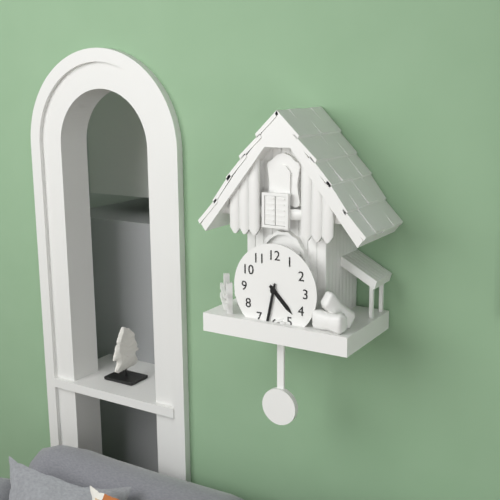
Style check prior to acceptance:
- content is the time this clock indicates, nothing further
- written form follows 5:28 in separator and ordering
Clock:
4:32
